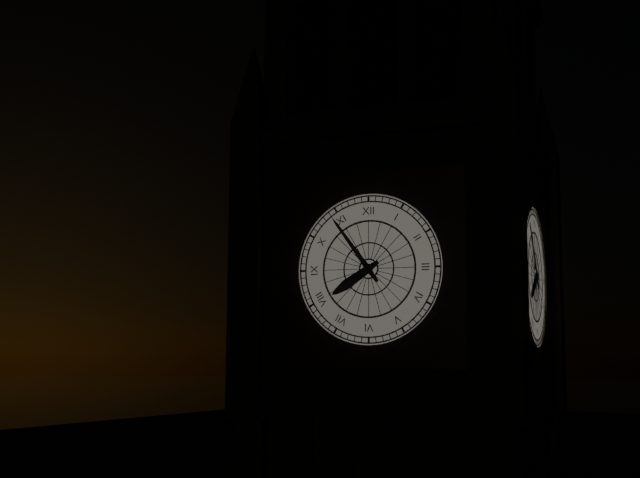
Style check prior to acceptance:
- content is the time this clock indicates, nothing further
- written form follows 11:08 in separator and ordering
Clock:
7:54
